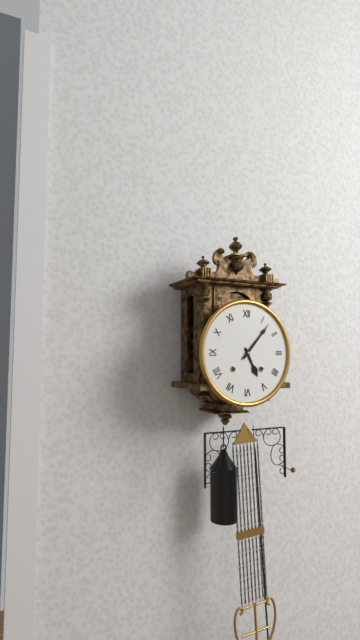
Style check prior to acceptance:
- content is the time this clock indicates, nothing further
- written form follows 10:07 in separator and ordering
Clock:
5:07
